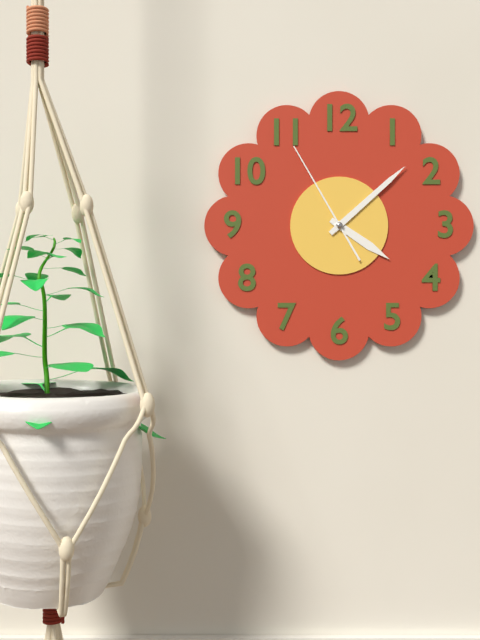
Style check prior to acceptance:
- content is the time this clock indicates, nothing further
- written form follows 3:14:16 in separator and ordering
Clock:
4:08:55
